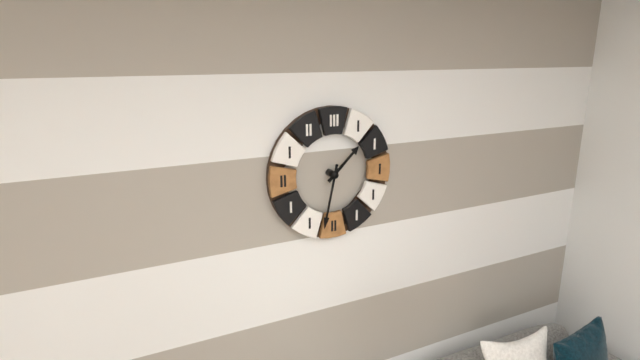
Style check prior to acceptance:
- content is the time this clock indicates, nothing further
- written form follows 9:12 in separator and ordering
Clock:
1:32
